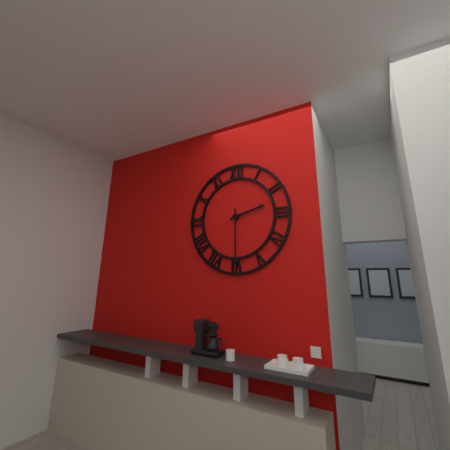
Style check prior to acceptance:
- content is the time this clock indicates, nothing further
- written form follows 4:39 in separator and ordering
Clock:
2:30
